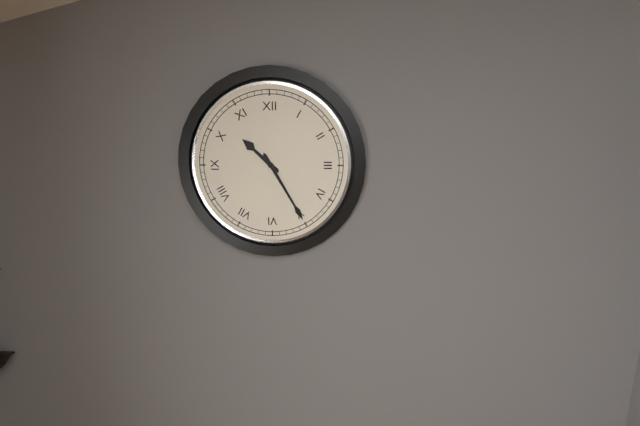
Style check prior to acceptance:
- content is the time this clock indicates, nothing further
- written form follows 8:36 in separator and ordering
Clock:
10:25
